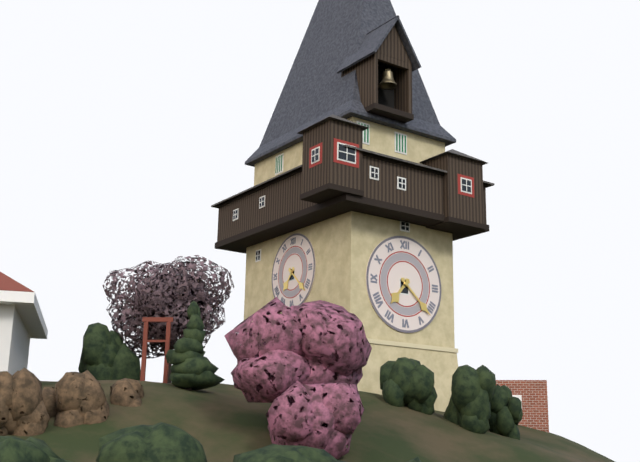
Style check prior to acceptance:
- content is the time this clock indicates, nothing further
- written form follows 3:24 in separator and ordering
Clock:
7:22
